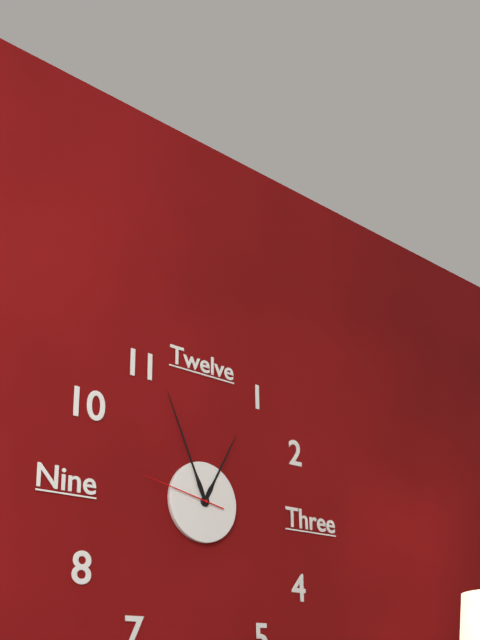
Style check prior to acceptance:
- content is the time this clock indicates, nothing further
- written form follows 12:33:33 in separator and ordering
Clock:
12:56:47
